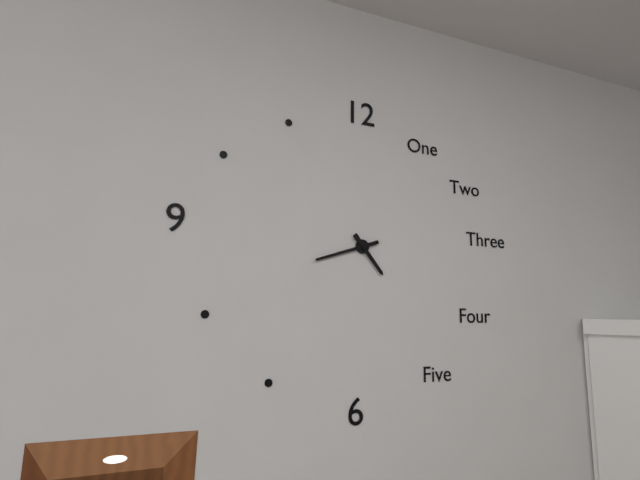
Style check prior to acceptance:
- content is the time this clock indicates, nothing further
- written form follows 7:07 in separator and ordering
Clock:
4:42
